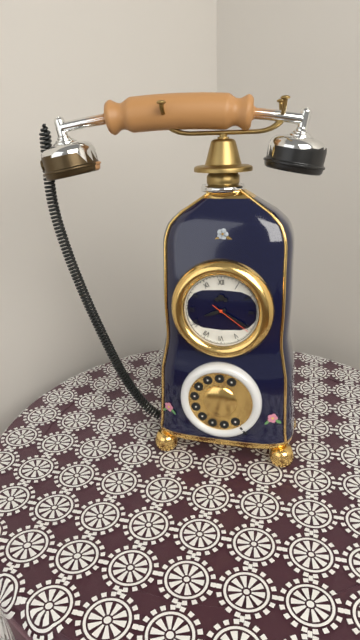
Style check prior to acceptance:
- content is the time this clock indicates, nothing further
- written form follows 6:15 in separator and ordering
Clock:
8:20
